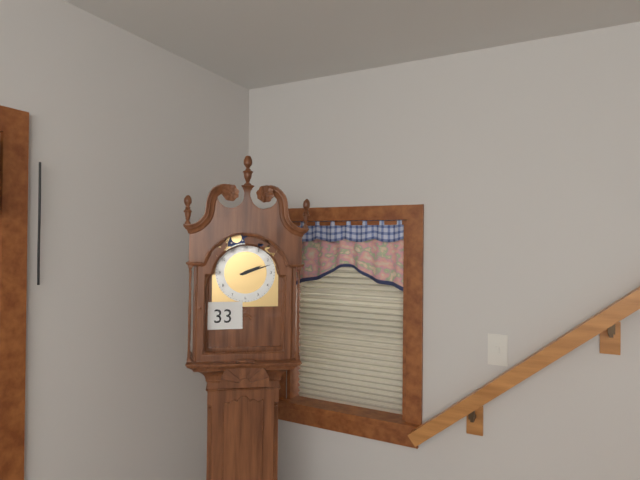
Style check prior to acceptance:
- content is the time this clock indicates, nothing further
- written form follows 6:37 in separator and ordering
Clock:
2:12
